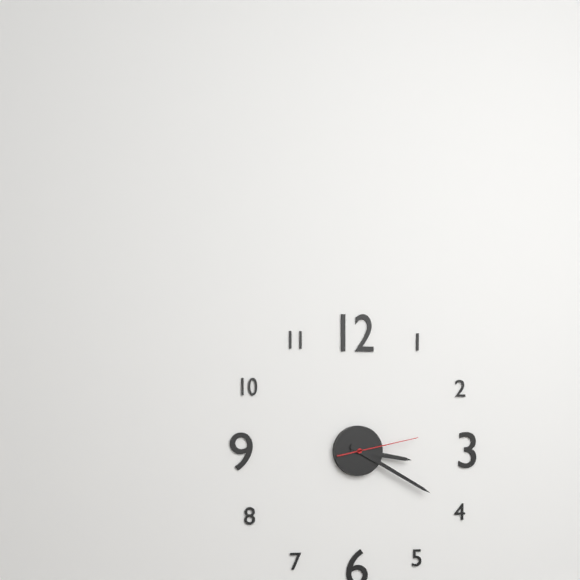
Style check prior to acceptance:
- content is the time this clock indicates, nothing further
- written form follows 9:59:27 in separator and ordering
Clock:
3:20:13
